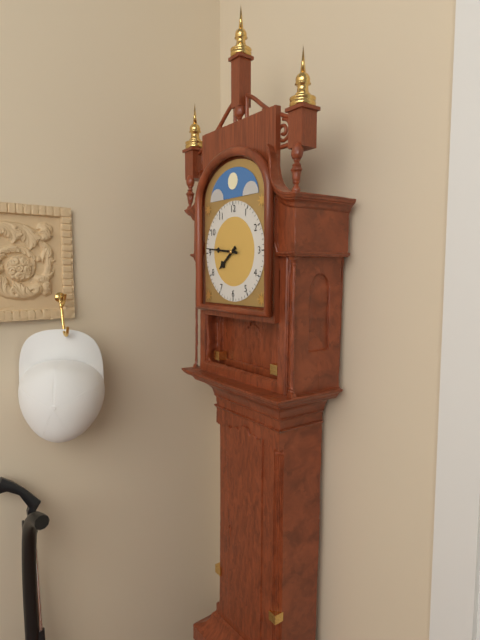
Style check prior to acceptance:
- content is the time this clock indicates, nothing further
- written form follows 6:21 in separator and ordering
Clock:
7:46
